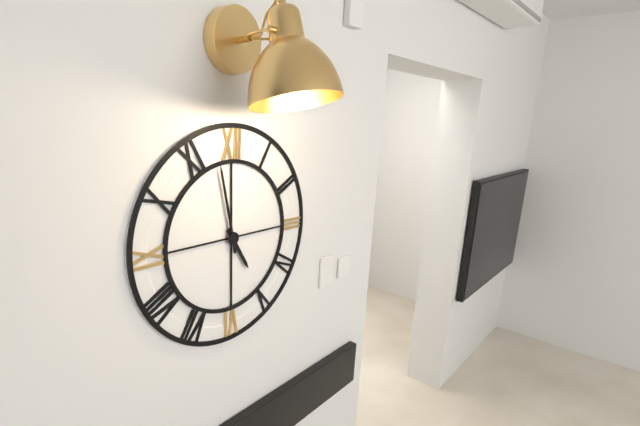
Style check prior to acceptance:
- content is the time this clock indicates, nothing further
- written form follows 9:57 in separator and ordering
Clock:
4:58
